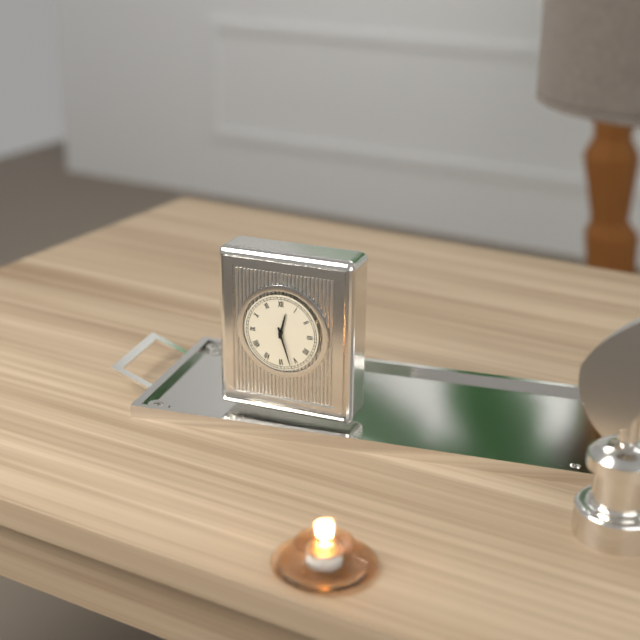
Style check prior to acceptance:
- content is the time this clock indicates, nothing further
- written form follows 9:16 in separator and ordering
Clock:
12:27
